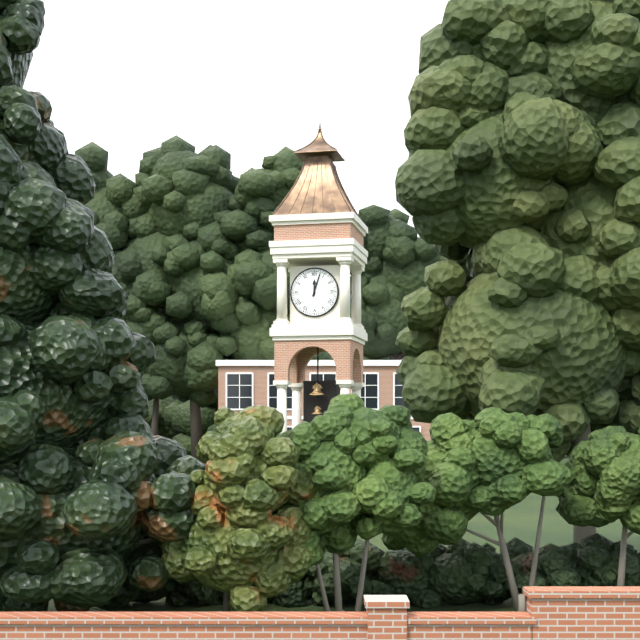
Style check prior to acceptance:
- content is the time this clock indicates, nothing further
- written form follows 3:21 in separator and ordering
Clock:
12:03
